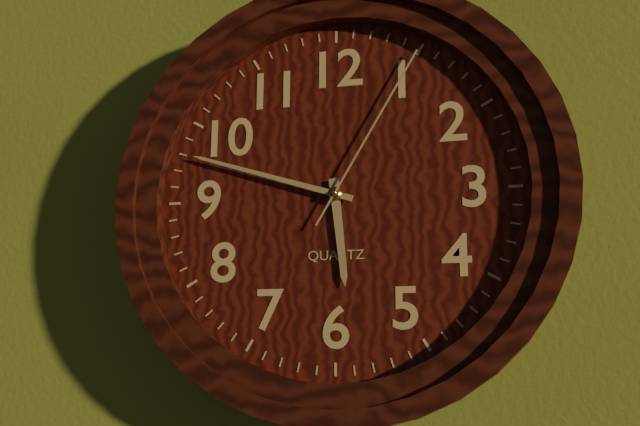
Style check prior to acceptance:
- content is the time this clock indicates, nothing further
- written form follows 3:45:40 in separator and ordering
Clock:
5:48:05
